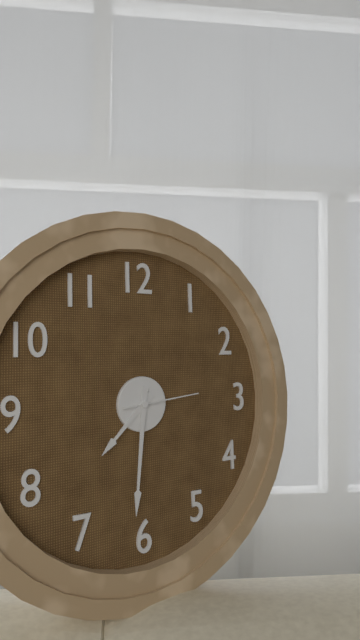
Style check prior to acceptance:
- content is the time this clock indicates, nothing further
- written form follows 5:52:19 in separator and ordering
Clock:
7:31:14
